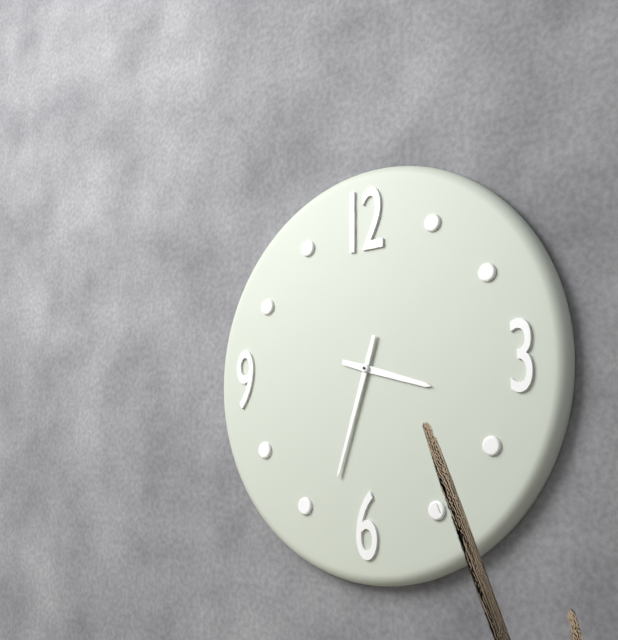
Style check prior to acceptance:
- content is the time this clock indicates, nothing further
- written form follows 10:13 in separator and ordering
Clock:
3:33
